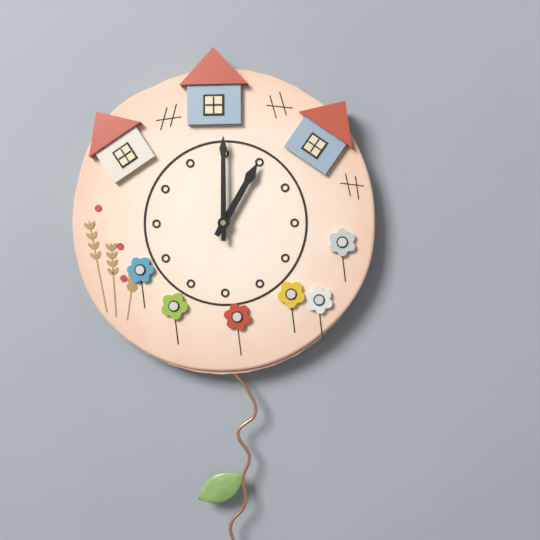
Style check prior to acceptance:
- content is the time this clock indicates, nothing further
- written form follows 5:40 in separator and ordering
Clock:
1:00
